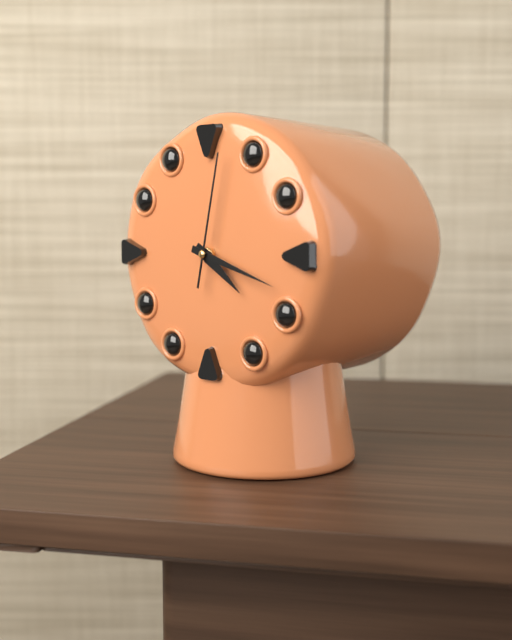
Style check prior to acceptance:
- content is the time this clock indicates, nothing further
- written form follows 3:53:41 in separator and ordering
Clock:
4:18:02
